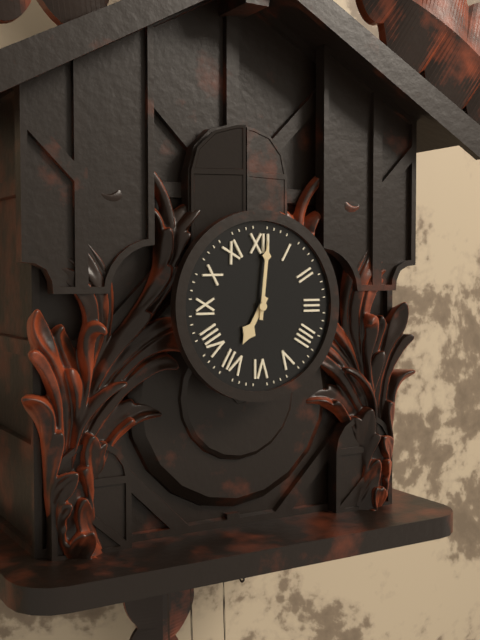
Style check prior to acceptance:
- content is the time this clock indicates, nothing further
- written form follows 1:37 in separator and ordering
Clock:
7:01
